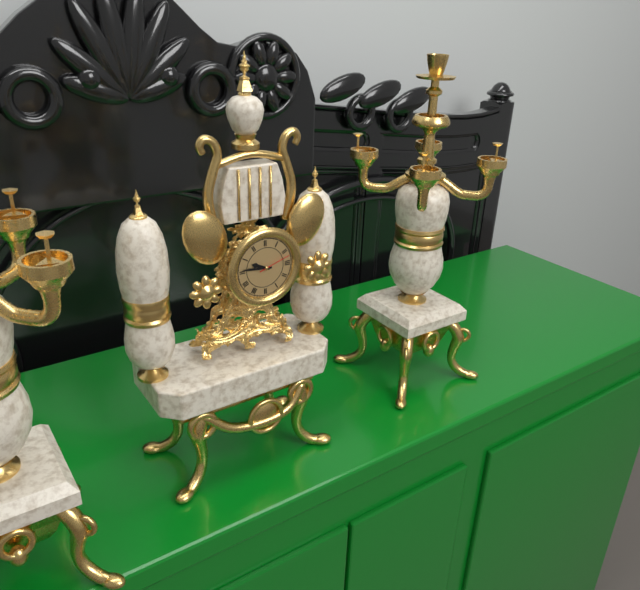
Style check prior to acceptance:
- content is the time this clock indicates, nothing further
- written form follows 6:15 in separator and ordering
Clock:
9:46
